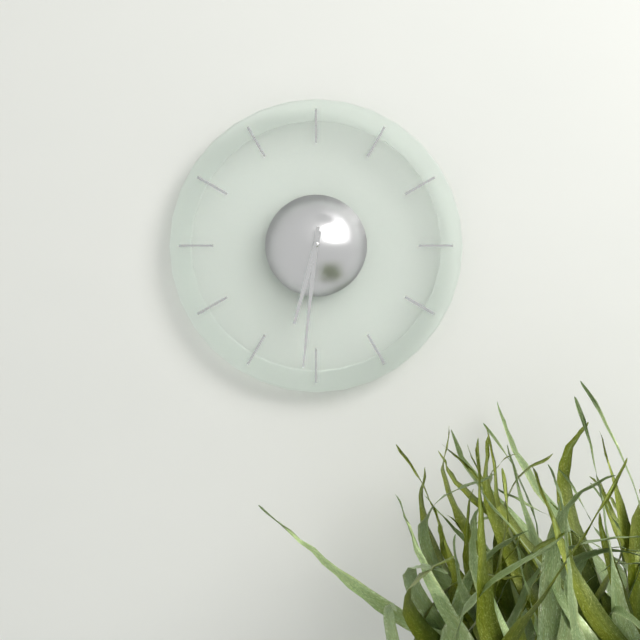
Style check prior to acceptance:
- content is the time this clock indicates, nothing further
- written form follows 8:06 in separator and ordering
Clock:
6:31
